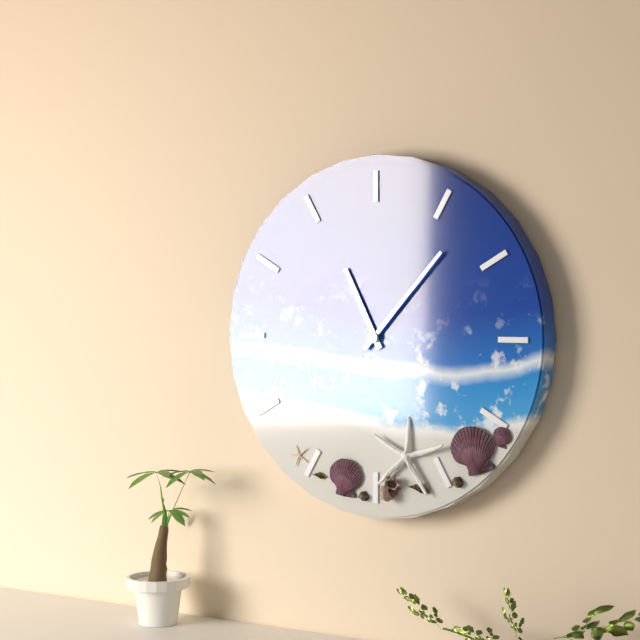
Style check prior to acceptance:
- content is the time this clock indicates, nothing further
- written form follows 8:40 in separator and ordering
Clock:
11:07
